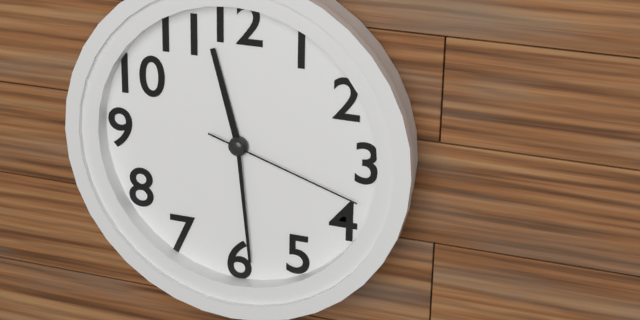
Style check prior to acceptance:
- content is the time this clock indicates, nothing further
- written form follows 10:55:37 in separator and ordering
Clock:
11:29:18
